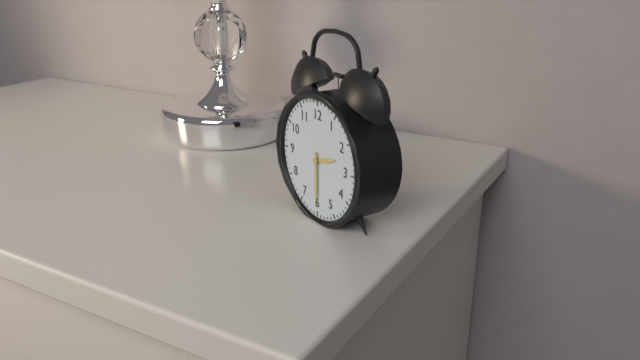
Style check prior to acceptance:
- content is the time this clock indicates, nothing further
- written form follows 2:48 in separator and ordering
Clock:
2:30
